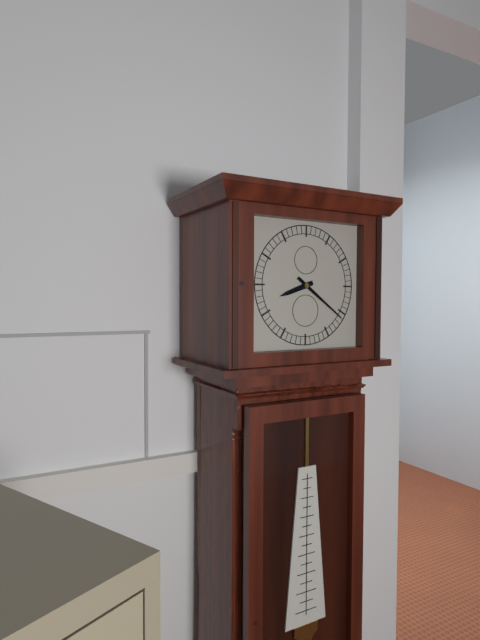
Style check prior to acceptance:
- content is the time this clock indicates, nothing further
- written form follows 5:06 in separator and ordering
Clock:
8:21
